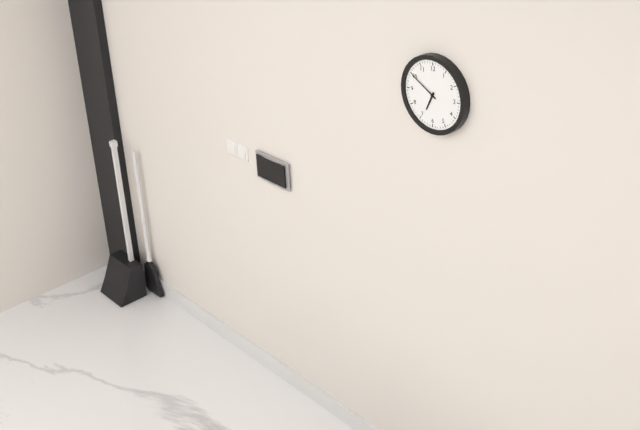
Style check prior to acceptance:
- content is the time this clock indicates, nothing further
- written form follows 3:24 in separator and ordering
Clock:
6:50
